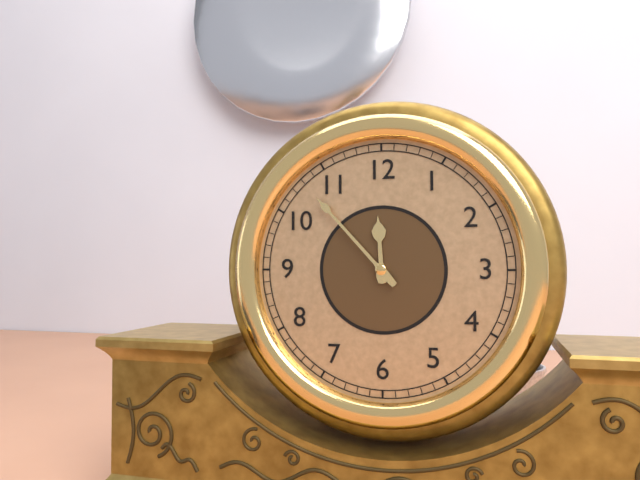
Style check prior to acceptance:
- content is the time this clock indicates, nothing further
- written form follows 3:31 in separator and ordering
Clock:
11:53
